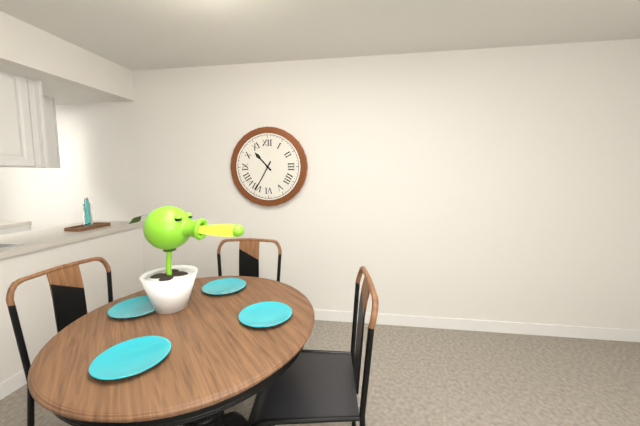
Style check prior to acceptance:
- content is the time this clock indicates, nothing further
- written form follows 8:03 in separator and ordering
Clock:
10:35
